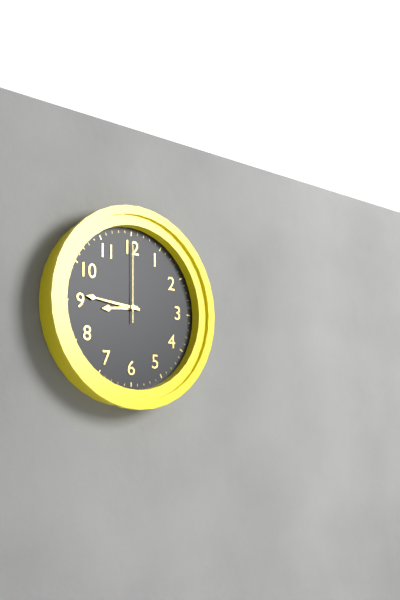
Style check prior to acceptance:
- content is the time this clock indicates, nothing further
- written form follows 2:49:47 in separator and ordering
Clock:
8:46:00
